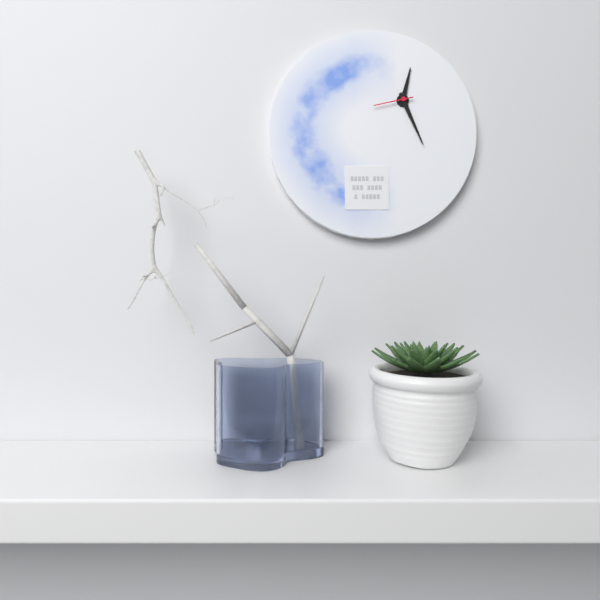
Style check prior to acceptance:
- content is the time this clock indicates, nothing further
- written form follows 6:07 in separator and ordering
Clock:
12:26
